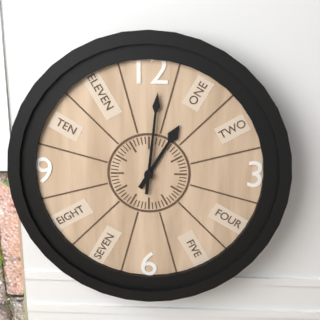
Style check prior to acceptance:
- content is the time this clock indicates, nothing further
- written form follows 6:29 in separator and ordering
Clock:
1:01
